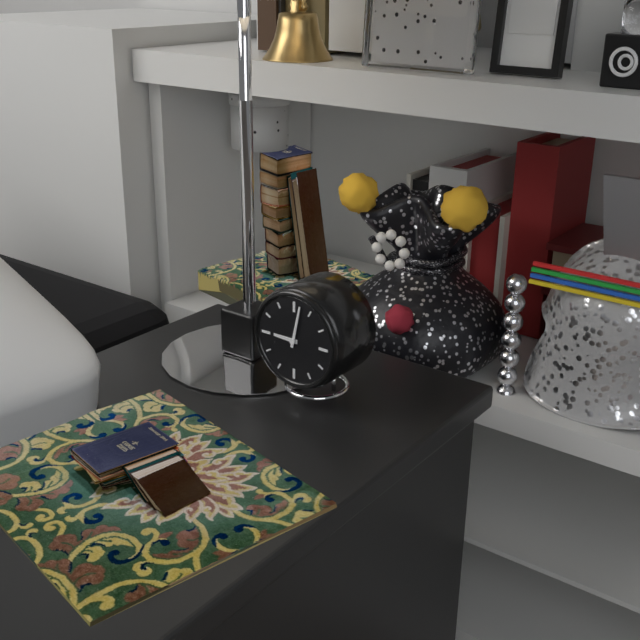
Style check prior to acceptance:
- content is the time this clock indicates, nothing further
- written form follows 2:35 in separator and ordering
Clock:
9:02
